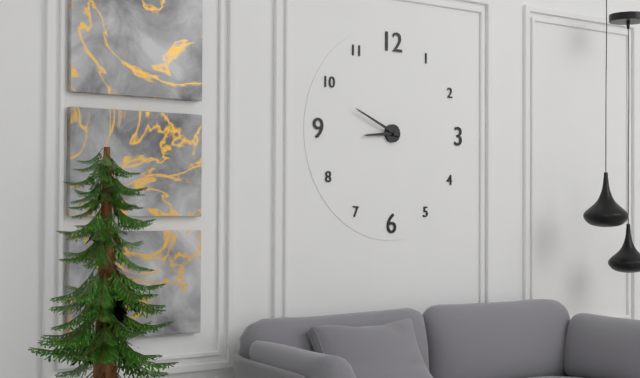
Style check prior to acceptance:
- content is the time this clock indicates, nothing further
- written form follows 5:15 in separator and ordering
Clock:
8:49
